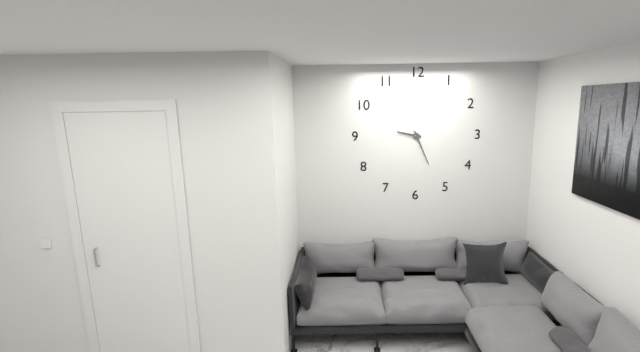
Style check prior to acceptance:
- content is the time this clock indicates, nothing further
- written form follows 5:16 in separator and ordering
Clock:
9:26
